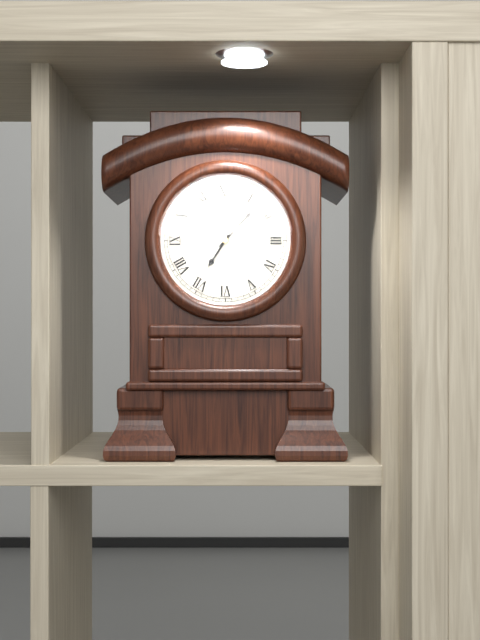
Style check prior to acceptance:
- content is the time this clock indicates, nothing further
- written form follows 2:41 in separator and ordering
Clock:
7:07
